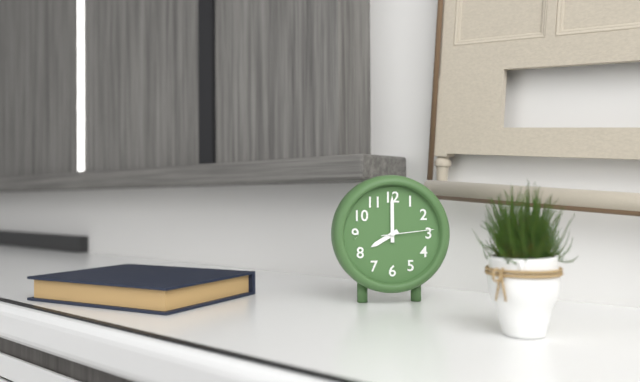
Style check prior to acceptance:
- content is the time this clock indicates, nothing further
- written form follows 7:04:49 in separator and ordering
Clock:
8:00:14
